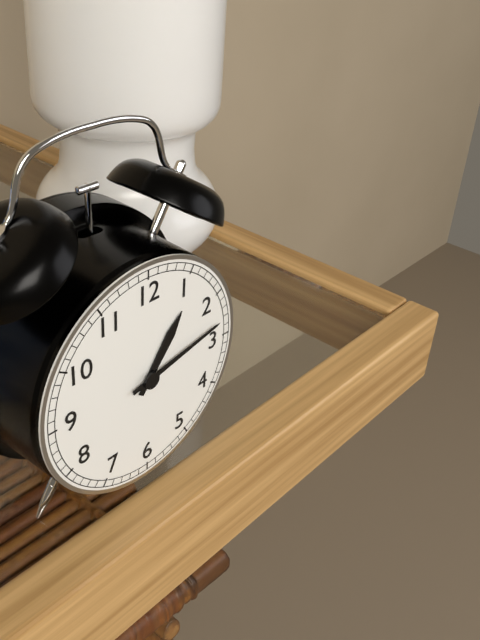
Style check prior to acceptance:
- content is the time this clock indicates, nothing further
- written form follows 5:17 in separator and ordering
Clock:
1:13
